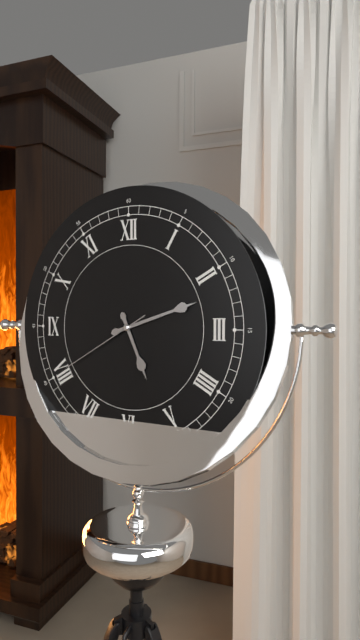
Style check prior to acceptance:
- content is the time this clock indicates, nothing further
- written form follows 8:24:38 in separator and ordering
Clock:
5:12:40
